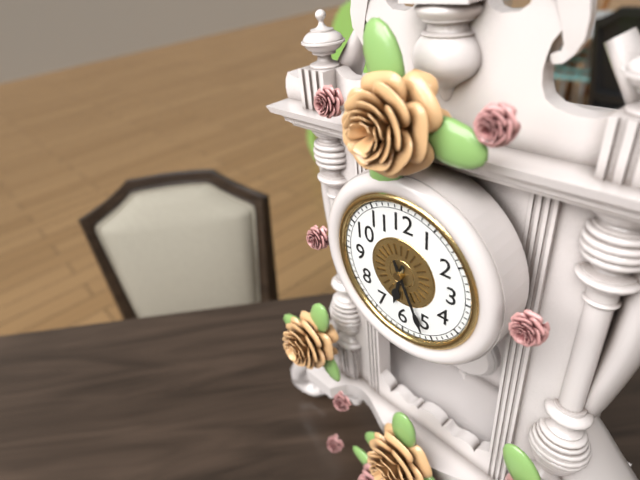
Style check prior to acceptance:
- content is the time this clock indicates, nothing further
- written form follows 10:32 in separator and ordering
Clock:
6:26
